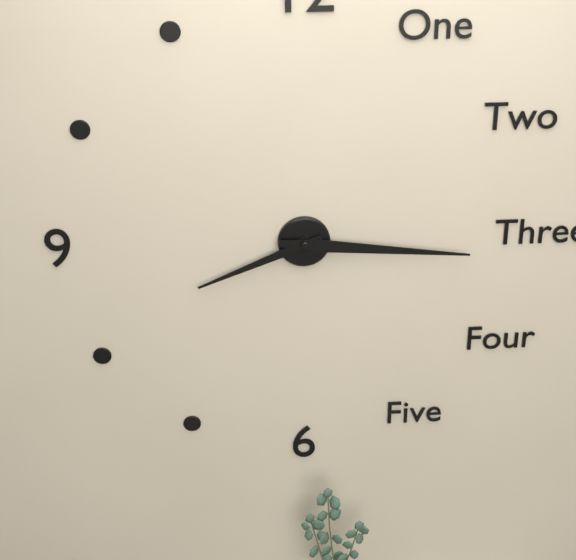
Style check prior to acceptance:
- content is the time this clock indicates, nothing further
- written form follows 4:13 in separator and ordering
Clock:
8:16
